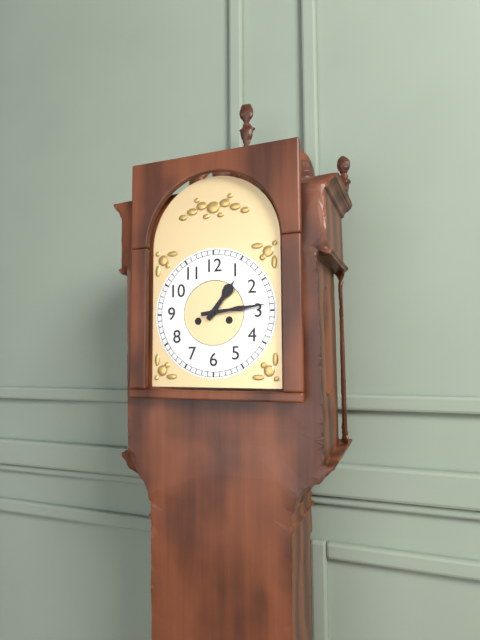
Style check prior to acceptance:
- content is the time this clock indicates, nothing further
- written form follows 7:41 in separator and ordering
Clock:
1:14
